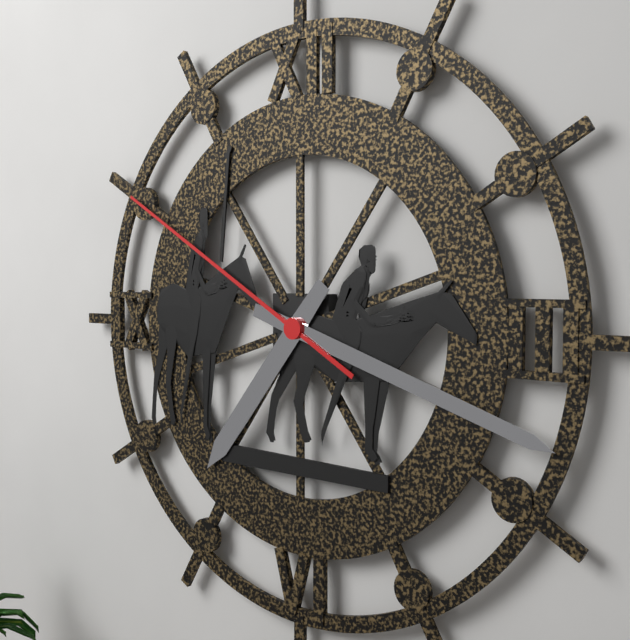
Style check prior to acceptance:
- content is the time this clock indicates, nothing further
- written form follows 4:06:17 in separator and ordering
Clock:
7:18:50
